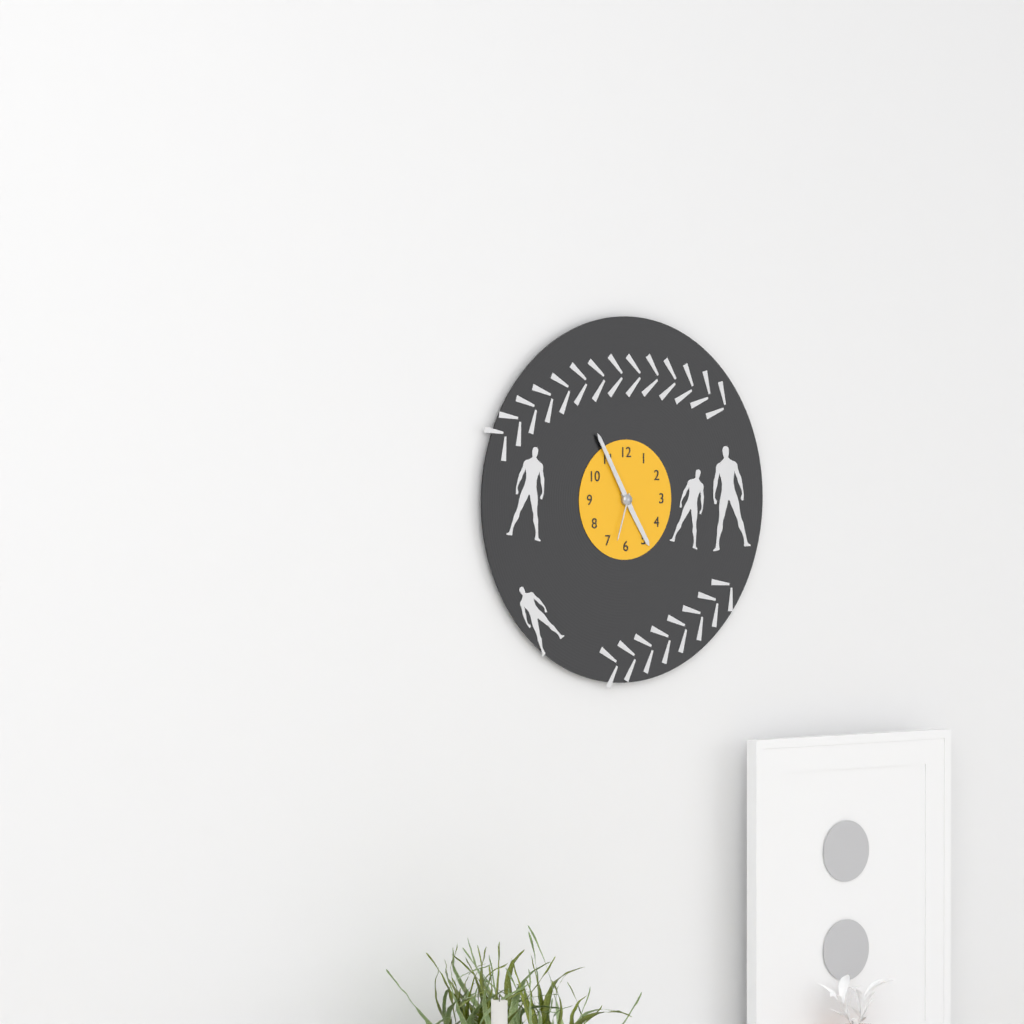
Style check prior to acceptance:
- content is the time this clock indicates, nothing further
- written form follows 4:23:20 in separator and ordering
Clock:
4:55:33
